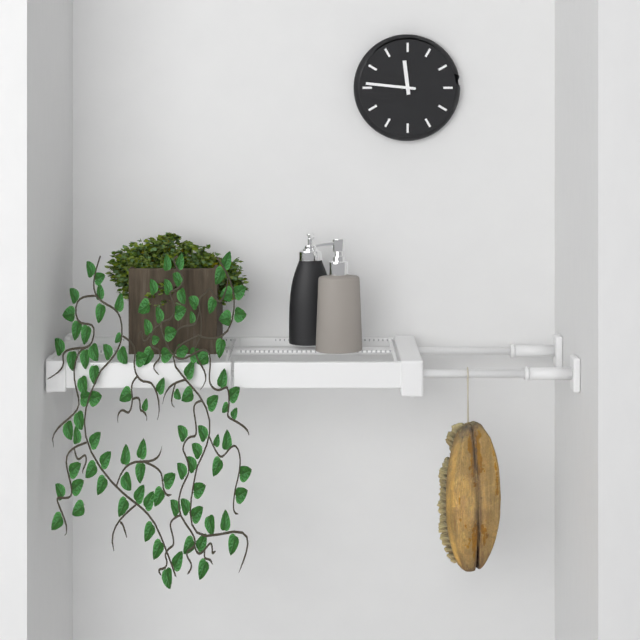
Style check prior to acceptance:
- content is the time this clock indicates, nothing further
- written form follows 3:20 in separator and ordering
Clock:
11:46
